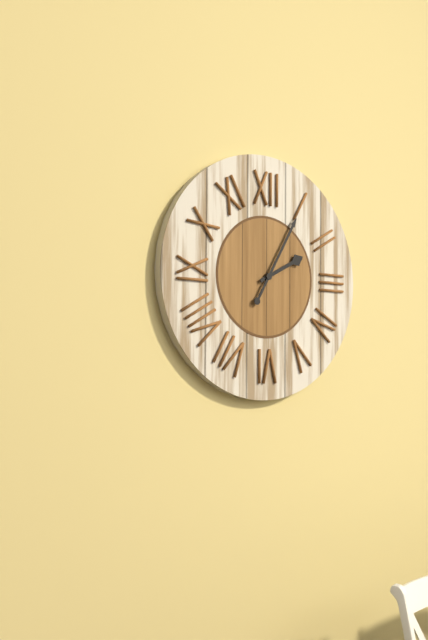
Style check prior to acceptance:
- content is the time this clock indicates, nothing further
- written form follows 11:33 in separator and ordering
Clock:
2:05
